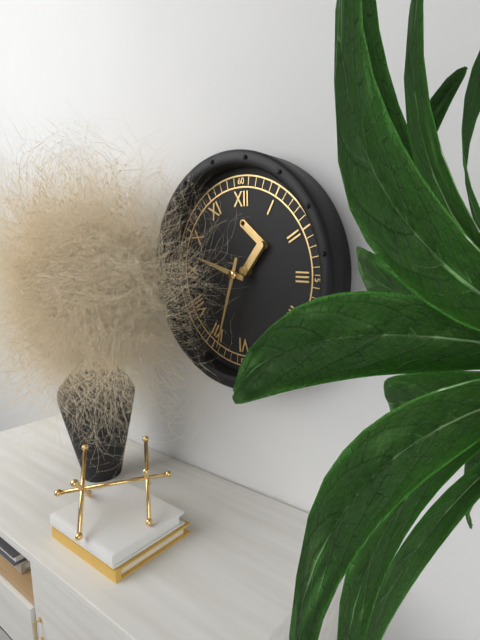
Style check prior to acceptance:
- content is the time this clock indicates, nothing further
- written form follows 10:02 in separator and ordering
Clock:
9:33
